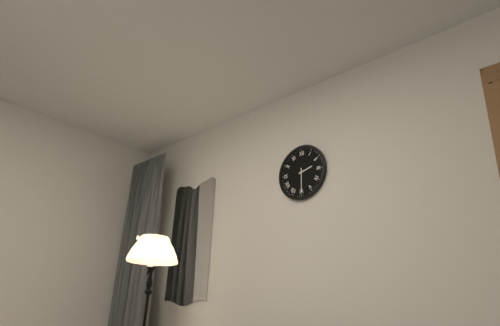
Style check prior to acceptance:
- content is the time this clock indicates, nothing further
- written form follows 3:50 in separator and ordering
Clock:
2:30
